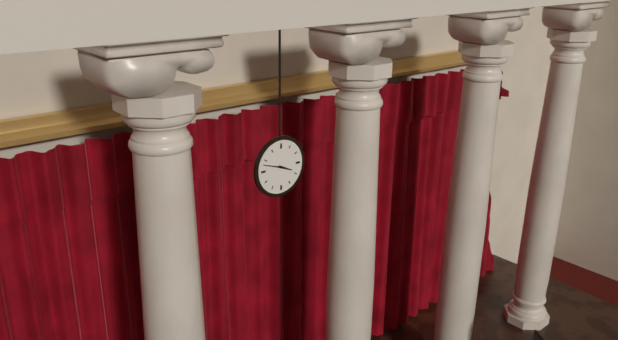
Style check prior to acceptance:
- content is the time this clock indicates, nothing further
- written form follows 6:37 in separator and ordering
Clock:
3:48
